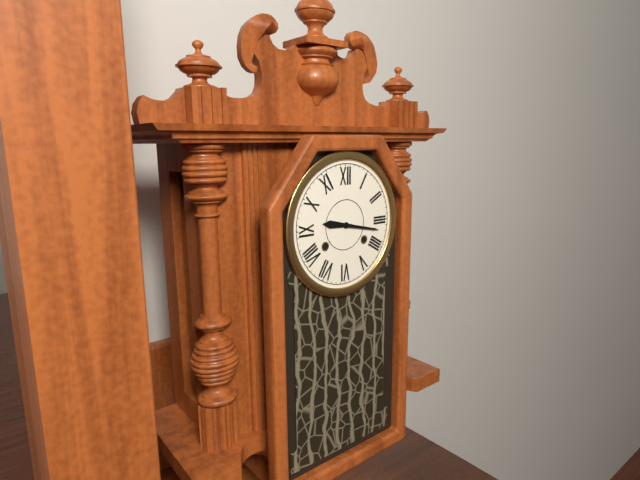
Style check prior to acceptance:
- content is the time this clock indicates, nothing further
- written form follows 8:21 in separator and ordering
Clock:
9:17
